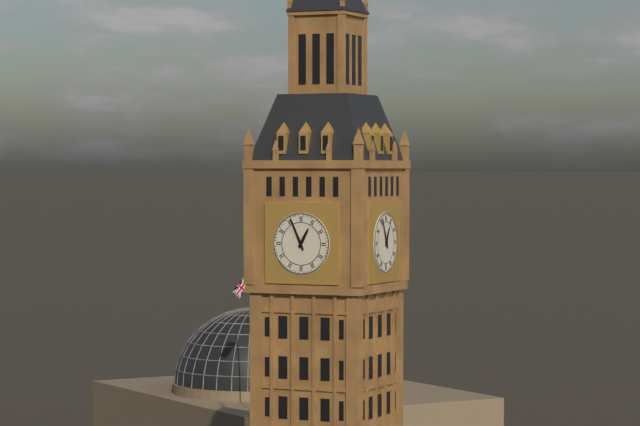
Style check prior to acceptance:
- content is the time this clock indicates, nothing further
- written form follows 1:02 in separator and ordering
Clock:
12:56
